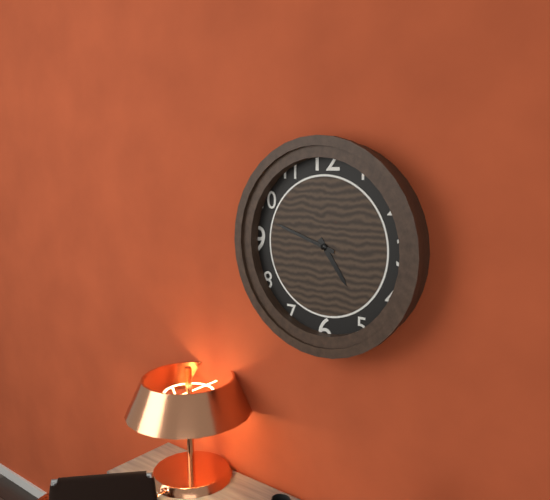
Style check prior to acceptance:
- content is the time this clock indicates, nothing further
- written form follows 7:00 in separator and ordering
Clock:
4:48
